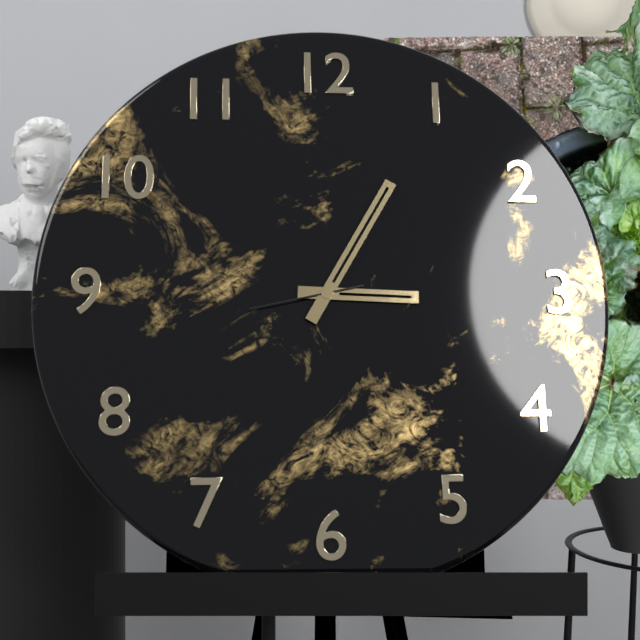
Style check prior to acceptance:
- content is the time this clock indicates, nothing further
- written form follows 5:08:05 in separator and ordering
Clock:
3:05:43
